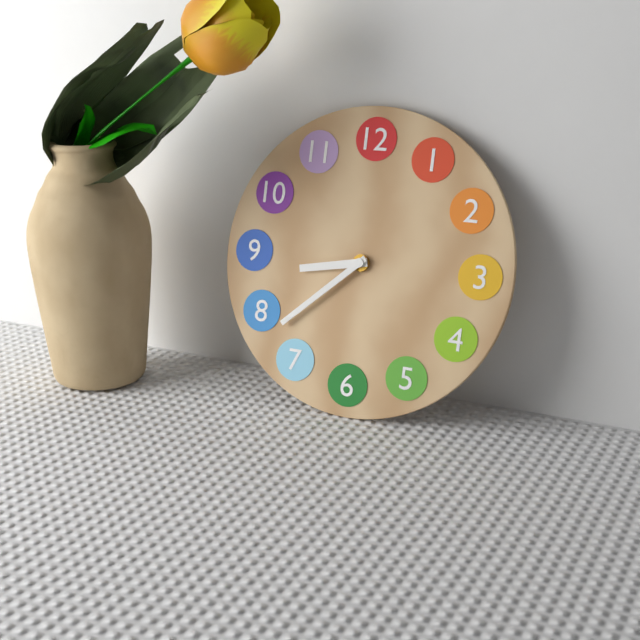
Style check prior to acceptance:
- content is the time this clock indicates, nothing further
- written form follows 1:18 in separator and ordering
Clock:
8:38
